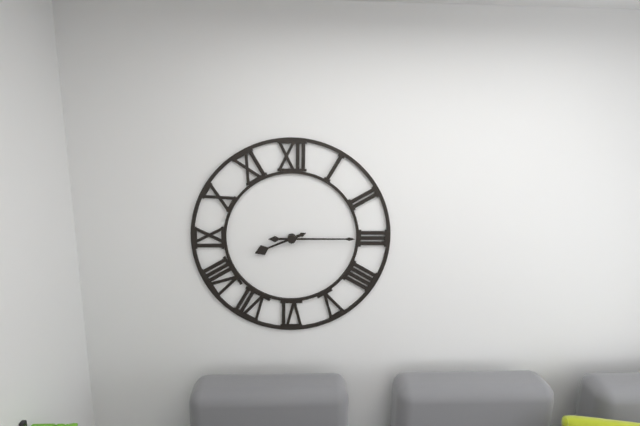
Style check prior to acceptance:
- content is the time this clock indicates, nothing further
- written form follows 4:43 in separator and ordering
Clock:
8:15
